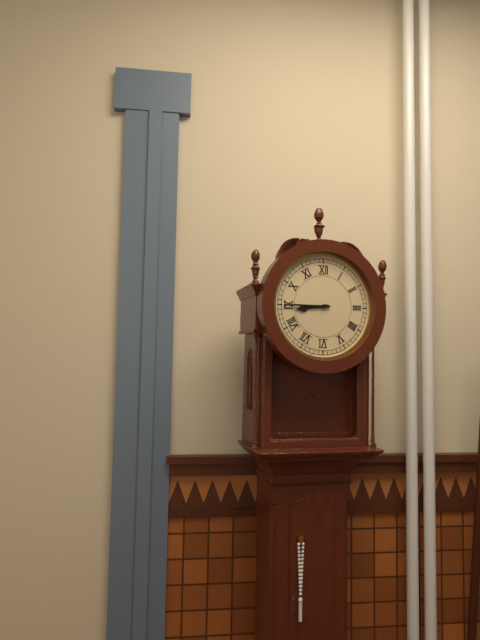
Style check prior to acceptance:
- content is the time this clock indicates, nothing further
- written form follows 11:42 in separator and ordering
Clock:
8:45
